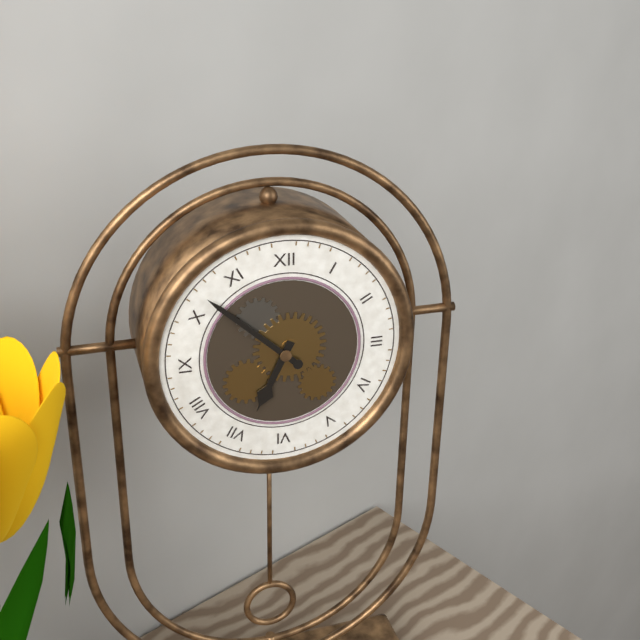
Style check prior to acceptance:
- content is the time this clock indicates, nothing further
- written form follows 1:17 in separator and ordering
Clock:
6:52
